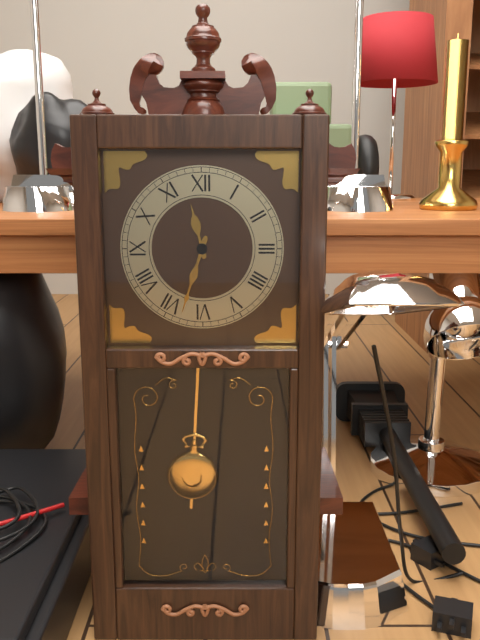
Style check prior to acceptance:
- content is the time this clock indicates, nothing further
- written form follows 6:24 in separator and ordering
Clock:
11:33
